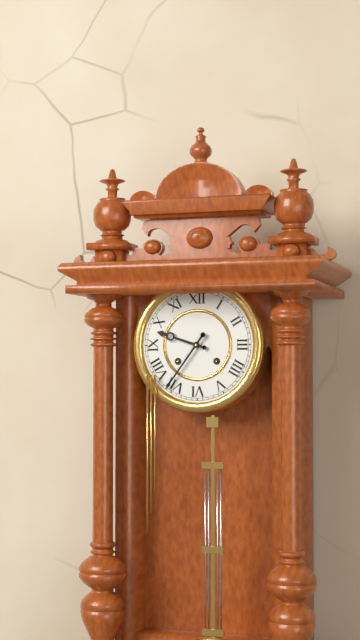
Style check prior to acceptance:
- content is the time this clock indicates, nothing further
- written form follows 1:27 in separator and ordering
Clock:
9:36
